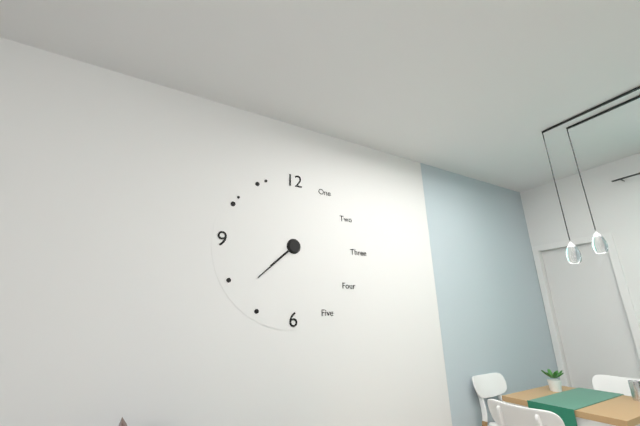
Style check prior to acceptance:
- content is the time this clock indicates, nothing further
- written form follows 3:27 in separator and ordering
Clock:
7:38
